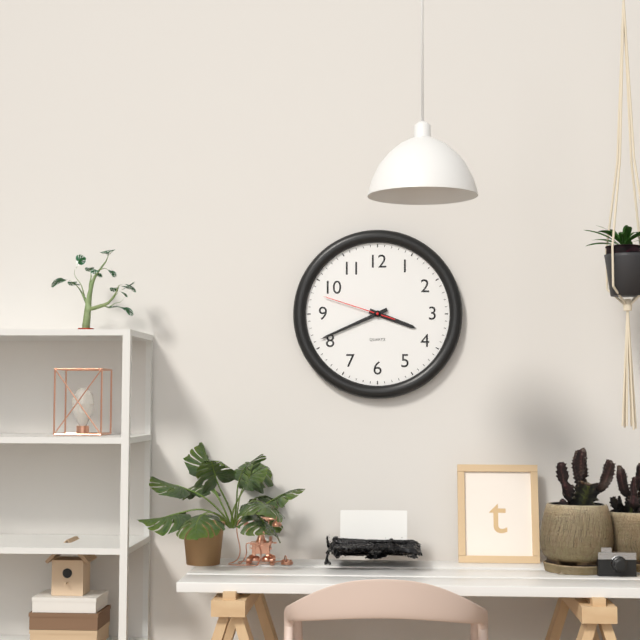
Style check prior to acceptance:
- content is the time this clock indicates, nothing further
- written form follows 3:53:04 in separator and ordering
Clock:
3:41:48
